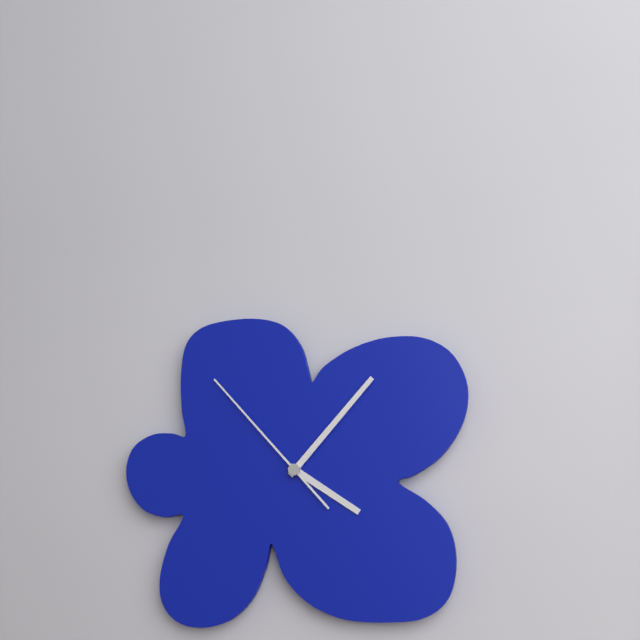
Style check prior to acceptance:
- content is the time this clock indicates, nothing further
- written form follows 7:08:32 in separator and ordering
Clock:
4:07:53
